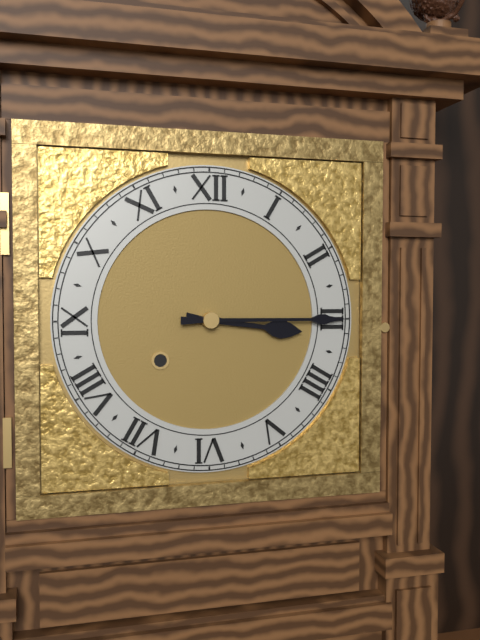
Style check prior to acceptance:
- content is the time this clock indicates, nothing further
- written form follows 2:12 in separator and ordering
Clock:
3:15
